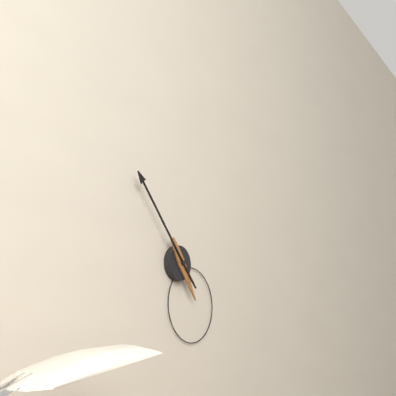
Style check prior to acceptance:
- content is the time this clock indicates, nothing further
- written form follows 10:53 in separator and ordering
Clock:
4:53
